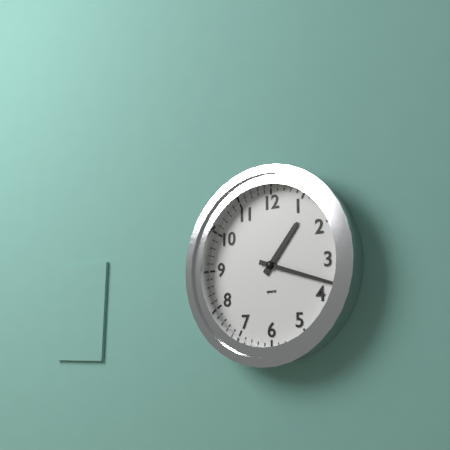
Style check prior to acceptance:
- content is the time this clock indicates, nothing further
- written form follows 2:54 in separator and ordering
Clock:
1:18
